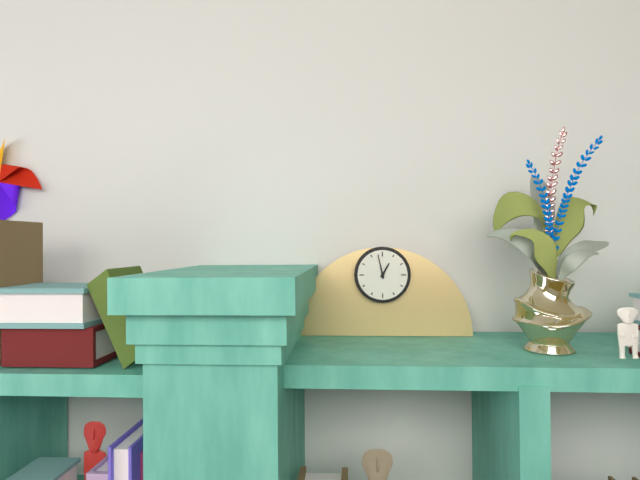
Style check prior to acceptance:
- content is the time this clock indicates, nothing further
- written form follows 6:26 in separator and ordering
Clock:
12:58
